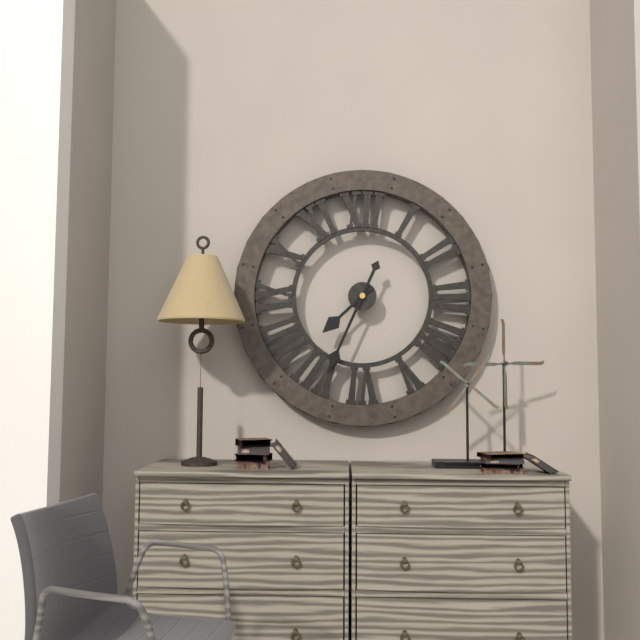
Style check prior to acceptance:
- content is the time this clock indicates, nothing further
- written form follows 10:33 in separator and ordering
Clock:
7:34
